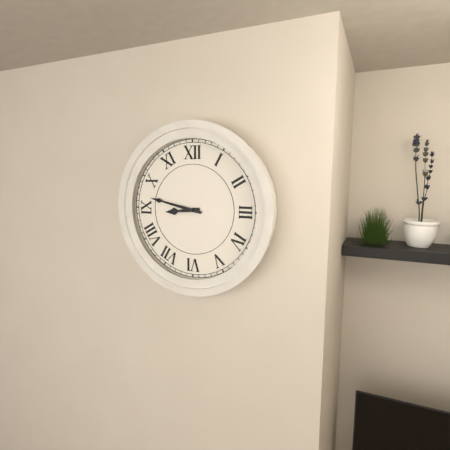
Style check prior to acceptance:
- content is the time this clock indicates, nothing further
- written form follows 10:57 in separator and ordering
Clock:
8:47
